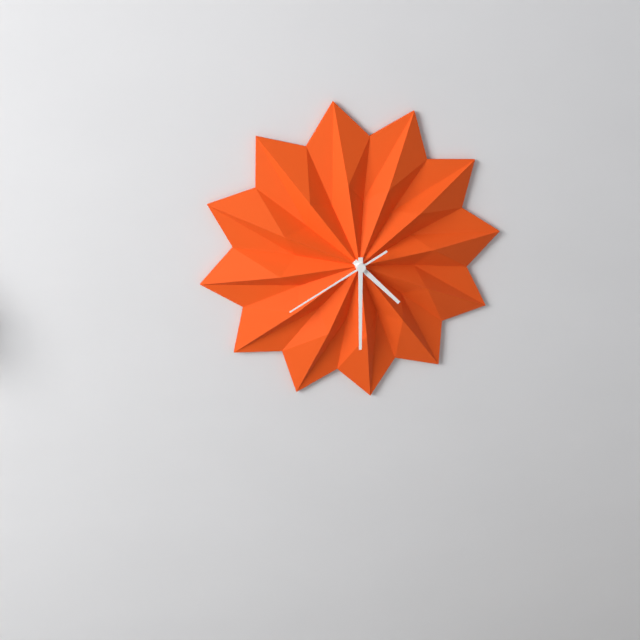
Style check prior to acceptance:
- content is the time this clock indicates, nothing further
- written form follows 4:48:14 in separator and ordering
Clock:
4:30:40
